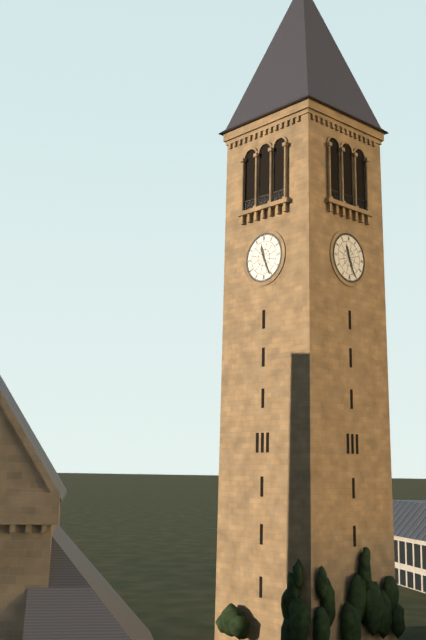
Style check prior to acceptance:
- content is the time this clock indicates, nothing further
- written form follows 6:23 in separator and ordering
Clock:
11:26
